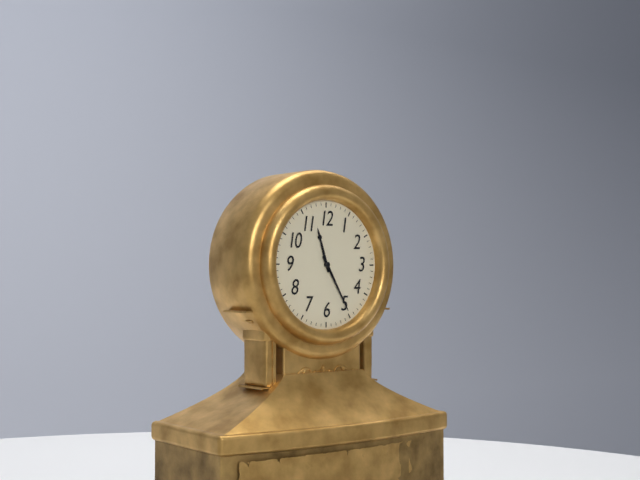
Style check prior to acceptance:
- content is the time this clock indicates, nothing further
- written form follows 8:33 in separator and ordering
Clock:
11:25
